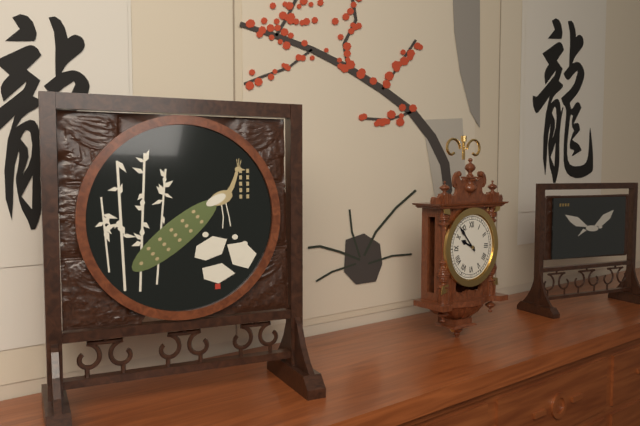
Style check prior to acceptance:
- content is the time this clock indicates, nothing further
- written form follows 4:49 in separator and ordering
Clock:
9:53
